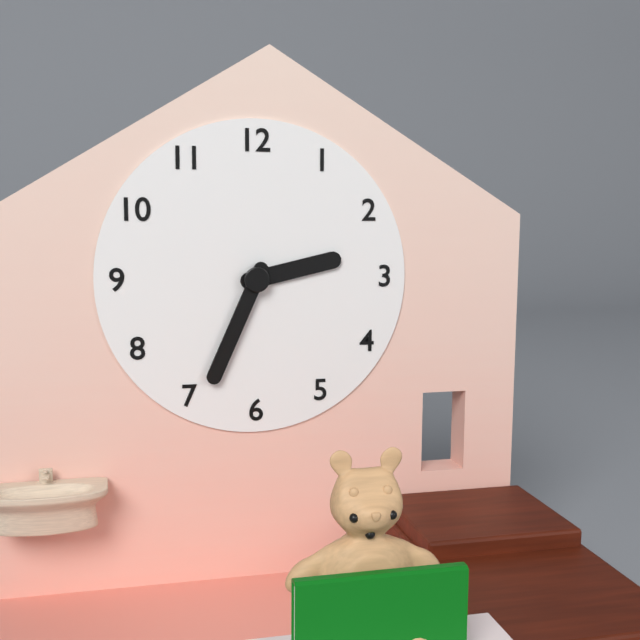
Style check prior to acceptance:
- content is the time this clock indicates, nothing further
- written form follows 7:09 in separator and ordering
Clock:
2:34
